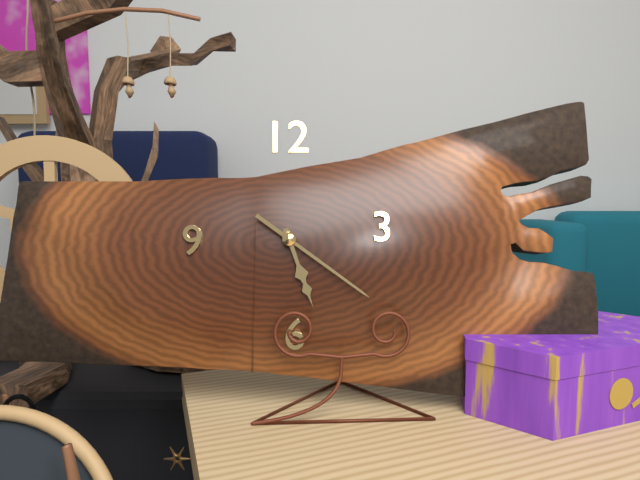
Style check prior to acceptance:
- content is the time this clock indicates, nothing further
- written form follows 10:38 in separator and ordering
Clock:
5:21
